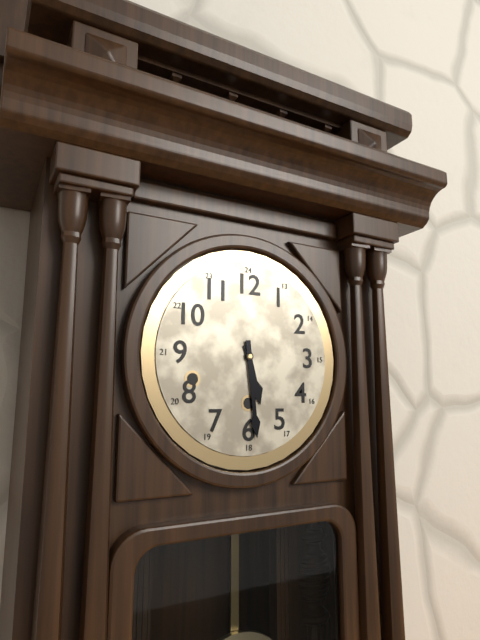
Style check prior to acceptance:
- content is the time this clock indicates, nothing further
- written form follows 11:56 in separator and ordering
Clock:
5:29
